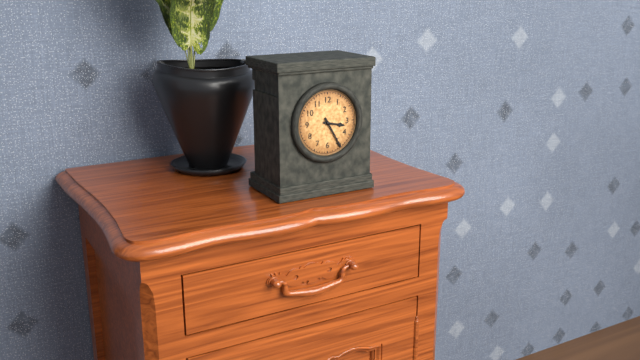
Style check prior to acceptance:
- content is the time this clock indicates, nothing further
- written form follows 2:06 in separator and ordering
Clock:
3:25
